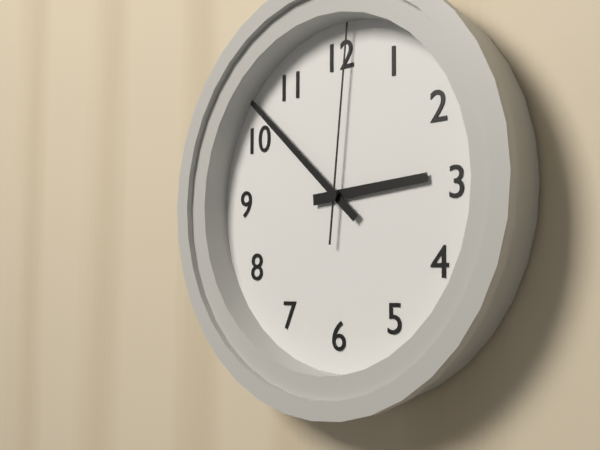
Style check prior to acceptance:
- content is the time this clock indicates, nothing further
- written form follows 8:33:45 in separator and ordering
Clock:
2:52:01
